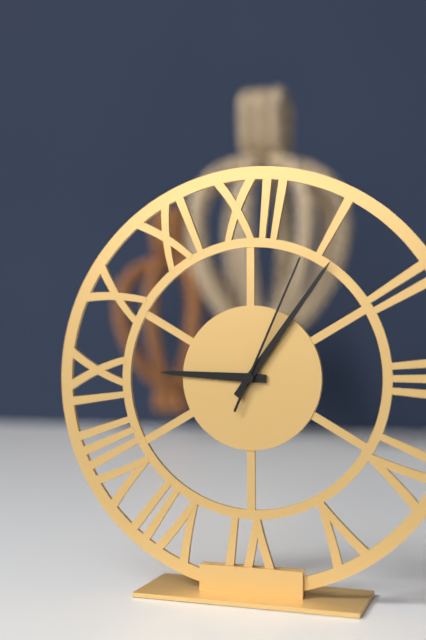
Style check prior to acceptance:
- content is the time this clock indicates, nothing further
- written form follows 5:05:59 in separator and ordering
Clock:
9:06:04
